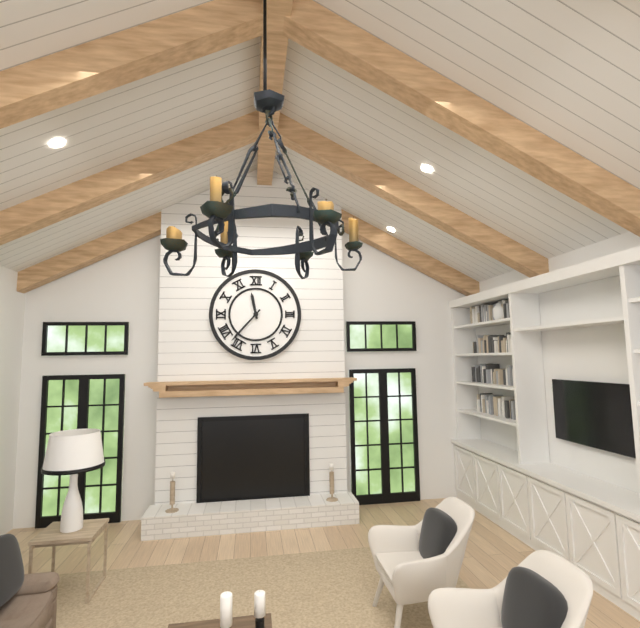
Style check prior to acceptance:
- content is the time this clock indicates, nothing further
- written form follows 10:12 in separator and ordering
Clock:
11:37
